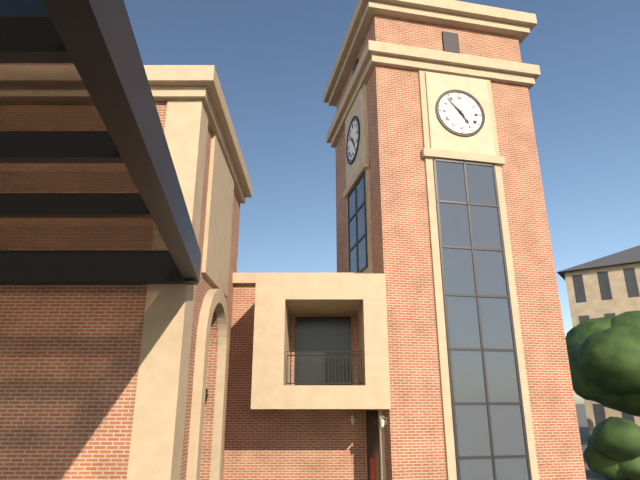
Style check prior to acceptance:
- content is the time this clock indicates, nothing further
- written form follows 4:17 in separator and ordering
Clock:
4:53
